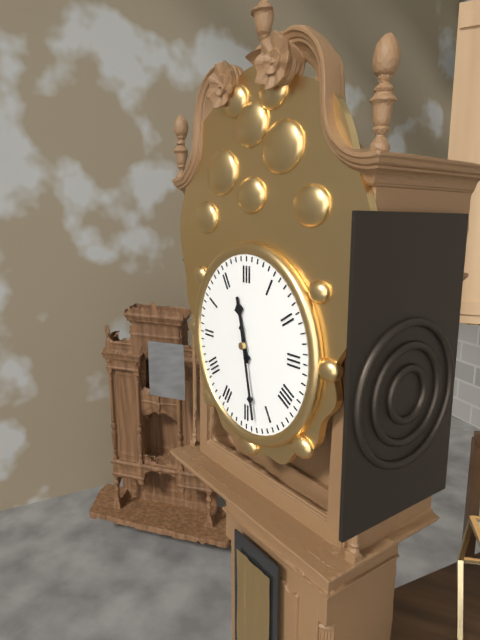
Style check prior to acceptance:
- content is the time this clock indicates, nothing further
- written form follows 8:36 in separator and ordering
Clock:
11:28
